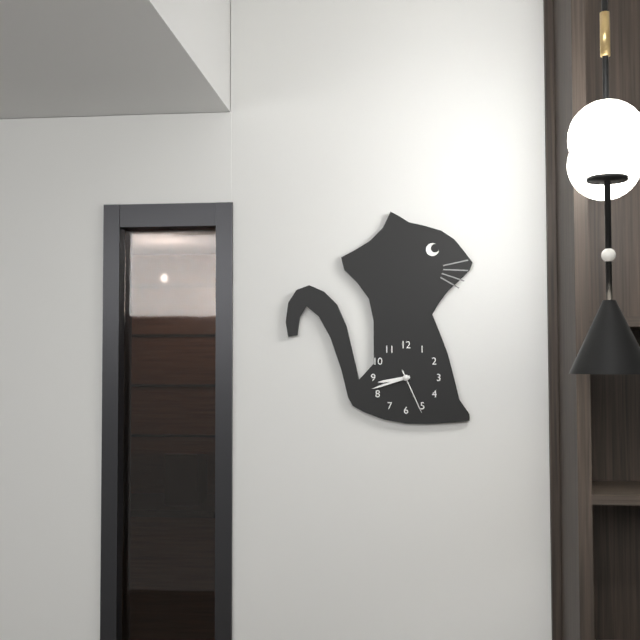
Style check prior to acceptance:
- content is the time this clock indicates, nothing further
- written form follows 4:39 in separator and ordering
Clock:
8:42
